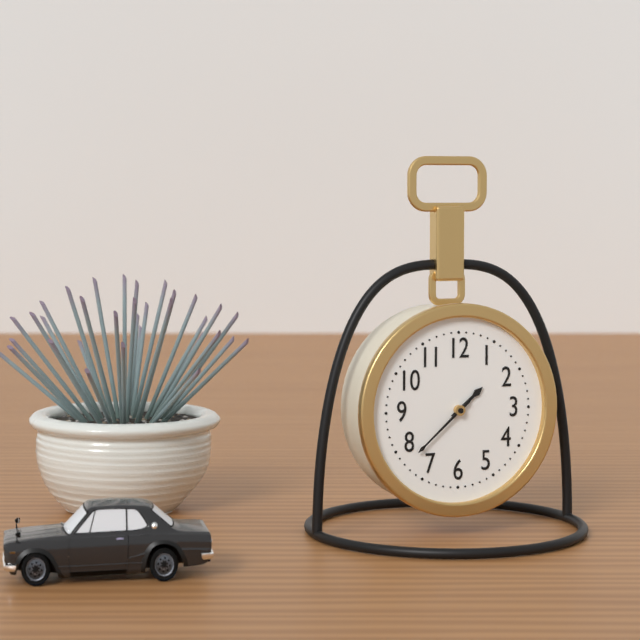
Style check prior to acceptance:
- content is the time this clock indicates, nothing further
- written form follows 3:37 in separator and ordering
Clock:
1:38
